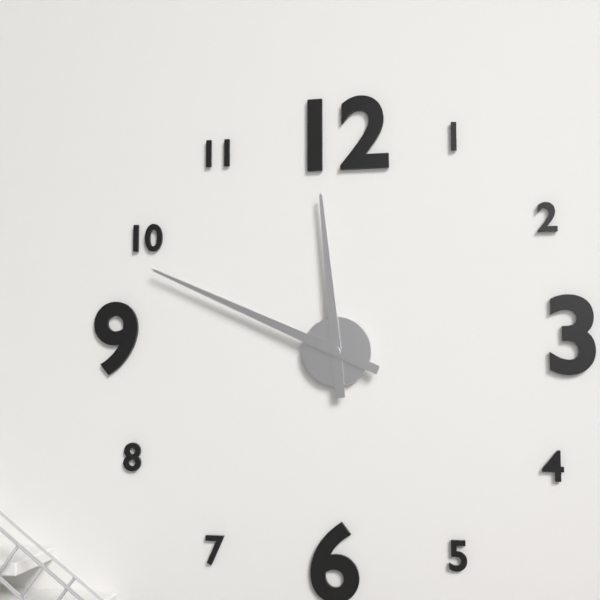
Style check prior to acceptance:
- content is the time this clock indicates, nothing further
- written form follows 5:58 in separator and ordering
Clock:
11:49
